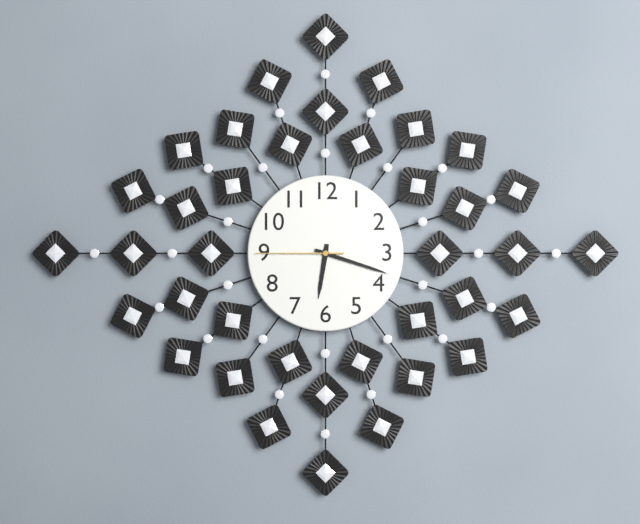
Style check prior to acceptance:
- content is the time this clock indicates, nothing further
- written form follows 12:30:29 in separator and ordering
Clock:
6:18:45
